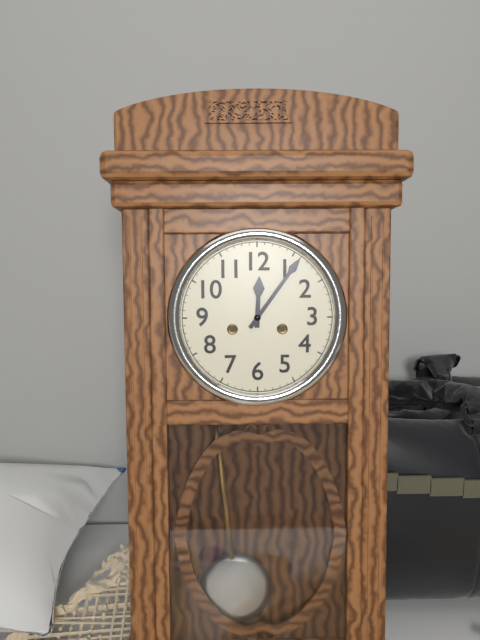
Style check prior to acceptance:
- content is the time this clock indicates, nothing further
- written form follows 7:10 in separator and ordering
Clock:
12:06
